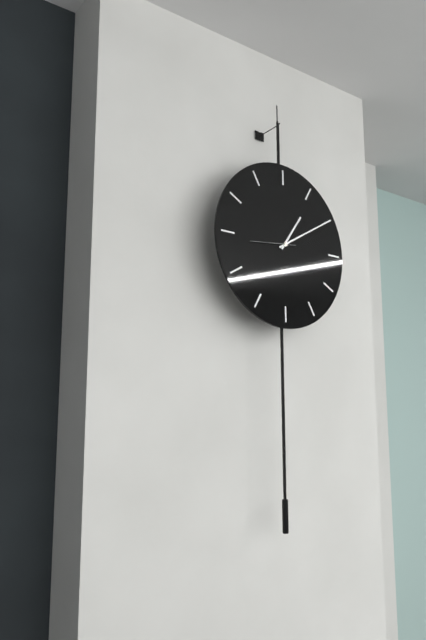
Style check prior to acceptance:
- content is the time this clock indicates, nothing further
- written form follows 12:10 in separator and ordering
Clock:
1:10
